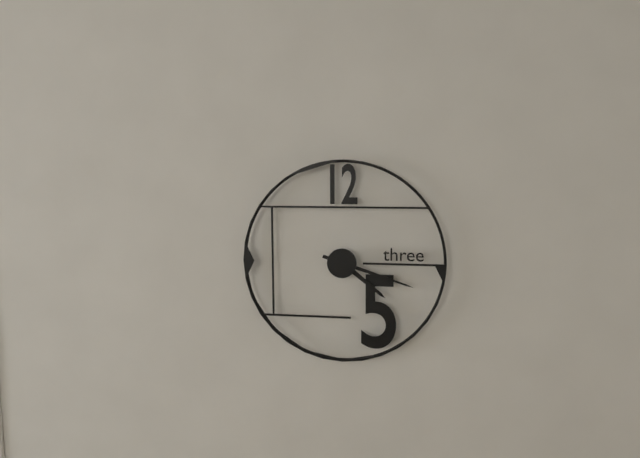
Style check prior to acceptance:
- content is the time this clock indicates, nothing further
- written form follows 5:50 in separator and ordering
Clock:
4:18
